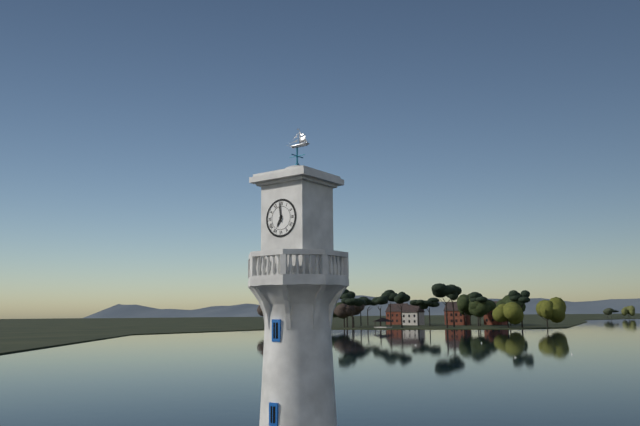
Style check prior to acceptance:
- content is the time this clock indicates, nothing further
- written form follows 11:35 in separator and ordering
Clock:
6:59
